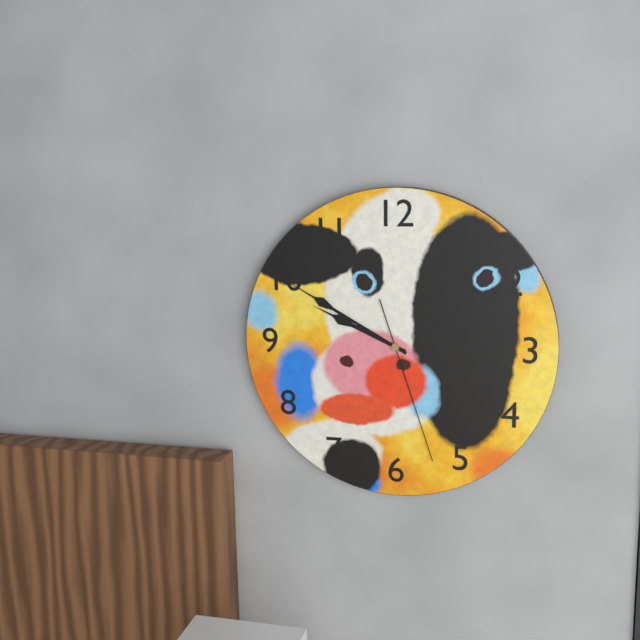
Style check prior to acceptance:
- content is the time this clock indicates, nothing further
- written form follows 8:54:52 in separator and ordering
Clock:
9:50:27
